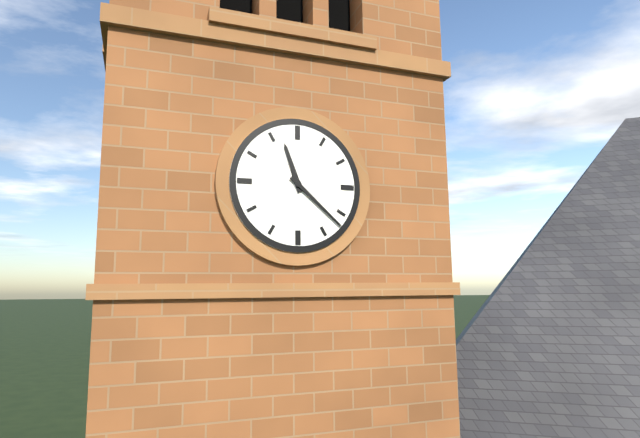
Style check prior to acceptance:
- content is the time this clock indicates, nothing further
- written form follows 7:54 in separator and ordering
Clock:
11:22
